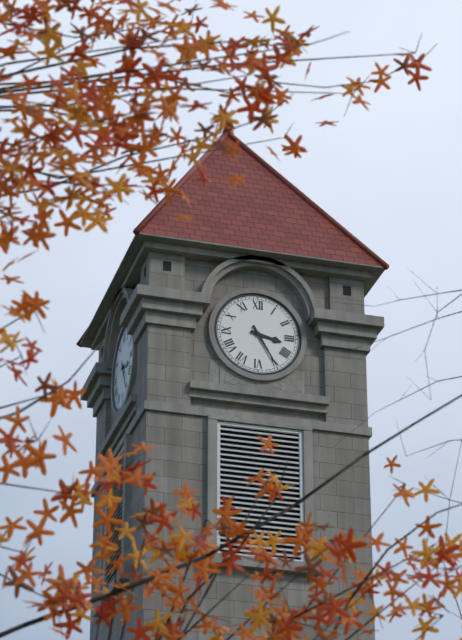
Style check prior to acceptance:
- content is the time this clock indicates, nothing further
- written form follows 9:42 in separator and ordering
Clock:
3:25
